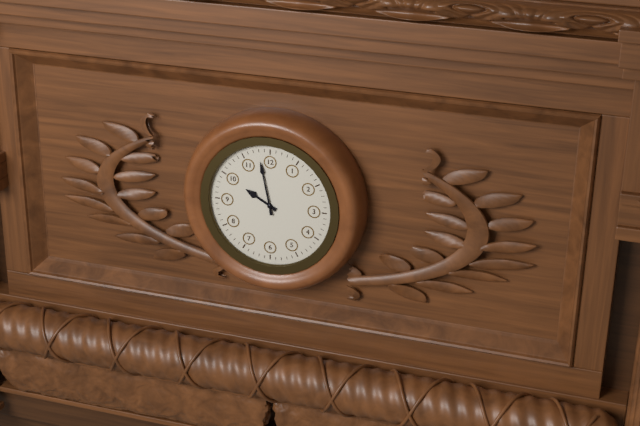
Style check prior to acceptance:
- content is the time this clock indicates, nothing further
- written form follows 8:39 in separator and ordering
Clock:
9:58
